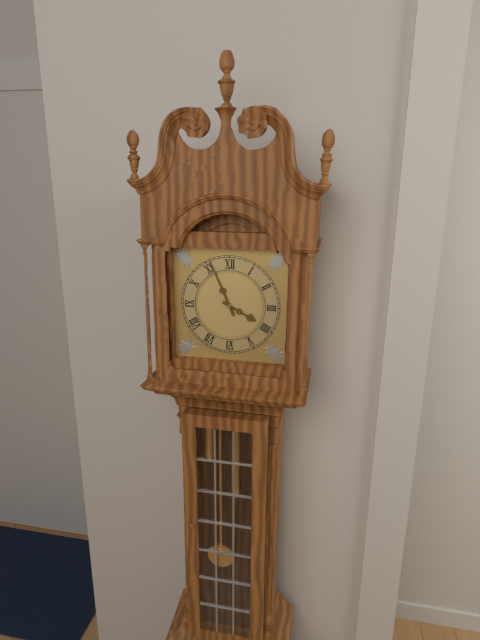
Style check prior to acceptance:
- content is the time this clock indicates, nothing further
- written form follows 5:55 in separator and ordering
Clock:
3:56
